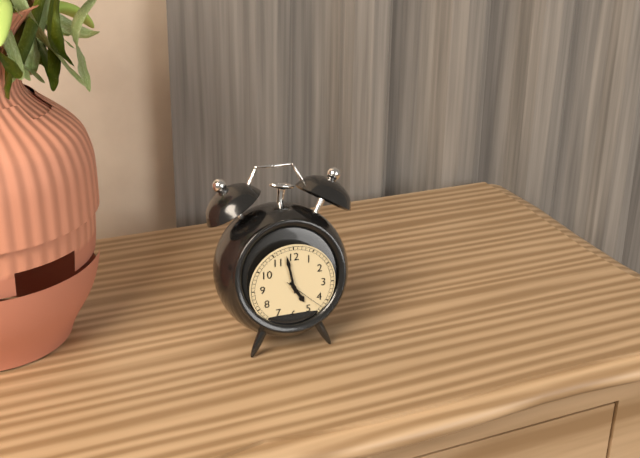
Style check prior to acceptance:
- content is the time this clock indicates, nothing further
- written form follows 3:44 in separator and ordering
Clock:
4:58
